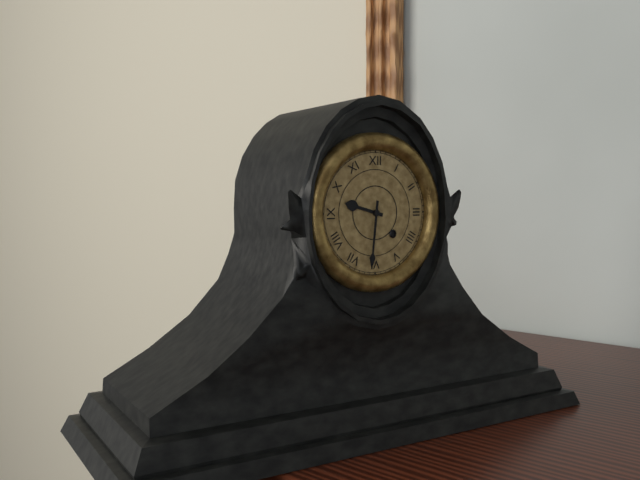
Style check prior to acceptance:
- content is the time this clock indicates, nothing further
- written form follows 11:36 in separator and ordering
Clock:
9:31
